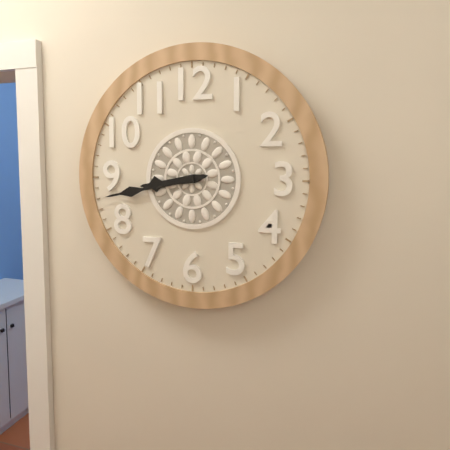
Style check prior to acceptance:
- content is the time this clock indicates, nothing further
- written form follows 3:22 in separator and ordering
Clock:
8:43
